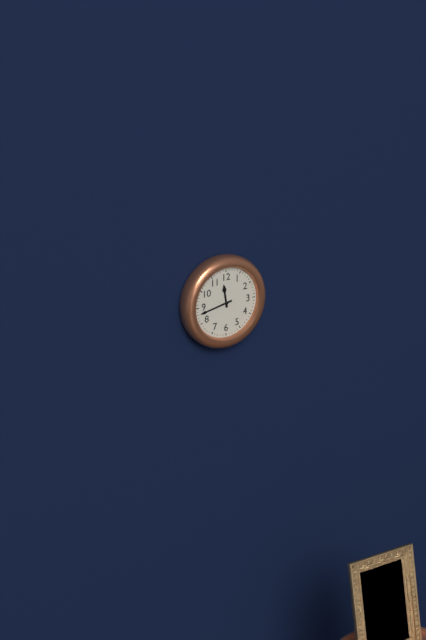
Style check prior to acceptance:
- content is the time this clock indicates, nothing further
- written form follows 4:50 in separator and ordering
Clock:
11:43
